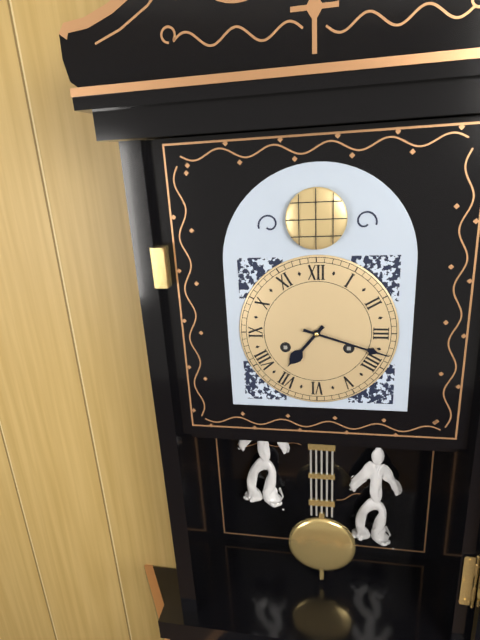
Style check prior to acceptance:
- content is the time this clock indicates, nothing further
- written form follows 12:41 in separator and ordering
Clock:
7:18
